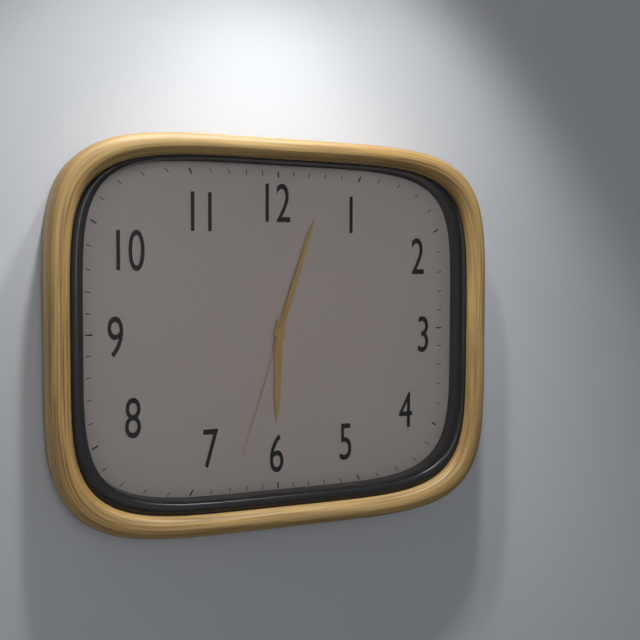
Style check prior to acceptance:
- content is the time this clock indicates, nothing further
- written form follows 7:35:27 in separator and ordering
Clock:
6:03:33
